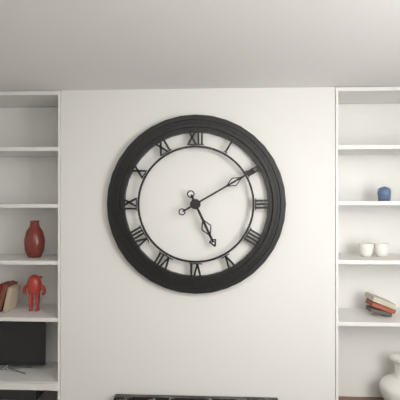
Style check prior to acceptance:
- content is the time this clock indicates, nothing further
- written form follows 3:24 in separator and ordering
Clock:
5:10
